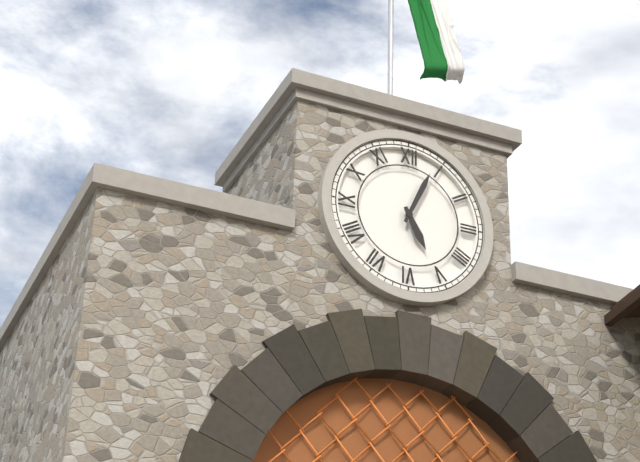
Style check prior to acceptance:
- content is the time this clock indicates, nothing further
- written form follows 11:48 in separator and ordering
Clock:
5:04
